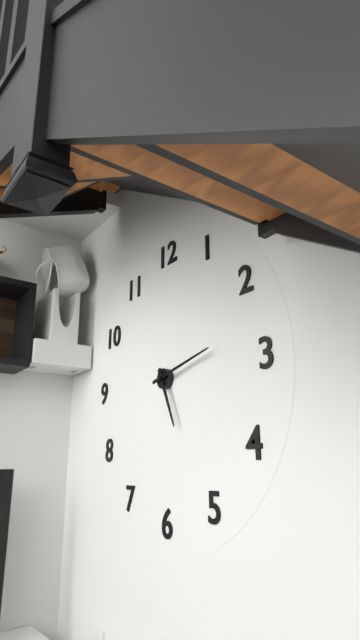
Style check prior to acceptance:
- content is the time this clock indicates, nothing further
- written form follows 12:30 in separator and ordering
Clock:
5:13
